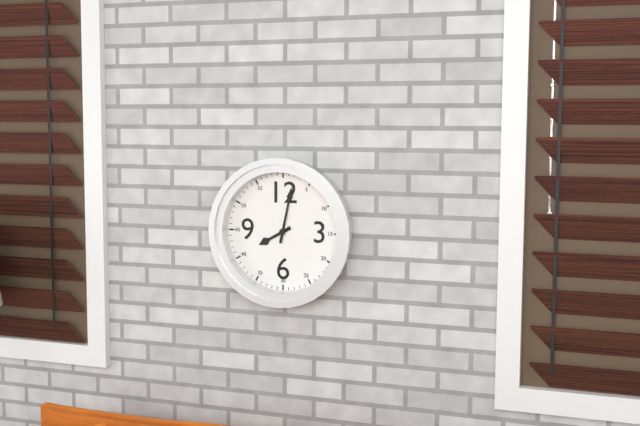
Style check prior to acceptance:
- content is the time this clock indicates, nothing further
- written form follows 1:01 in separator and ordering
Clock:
8:02
